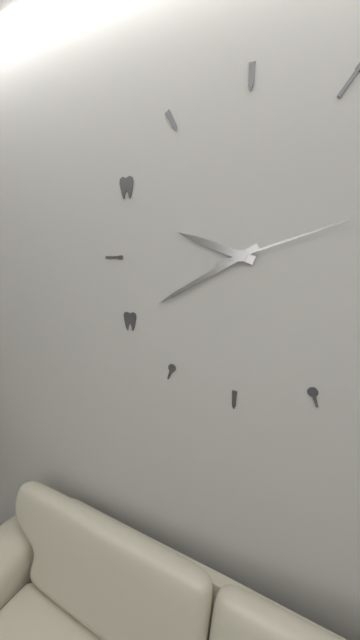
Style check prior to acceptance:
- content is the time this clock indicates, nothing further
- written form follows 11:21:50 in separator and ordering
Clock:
9:40:12
